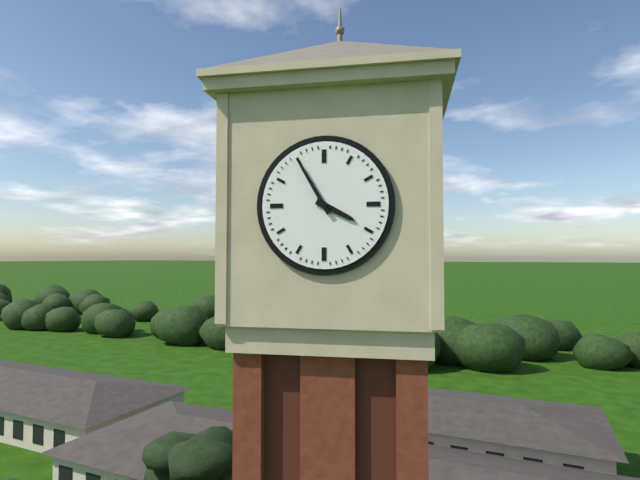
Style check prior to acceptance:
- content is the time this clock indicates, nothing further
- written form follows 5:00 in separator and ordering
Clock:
3:55
